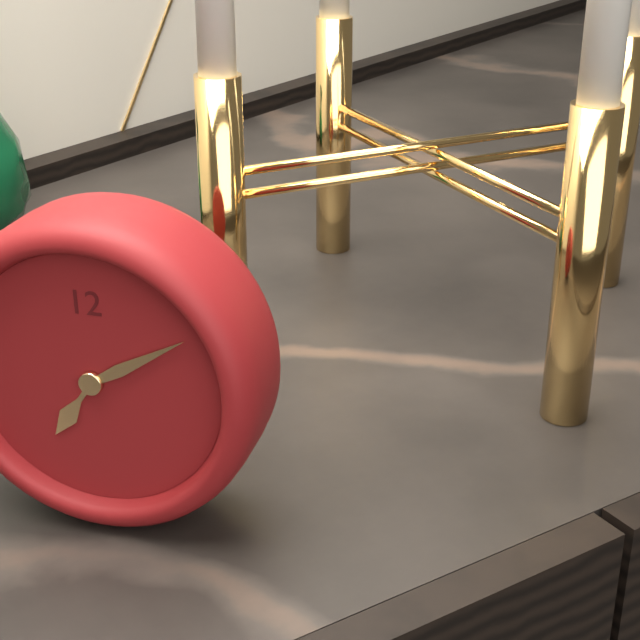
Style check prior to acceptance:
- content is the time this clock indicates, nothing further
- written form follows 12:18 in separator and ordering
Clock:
7:10
